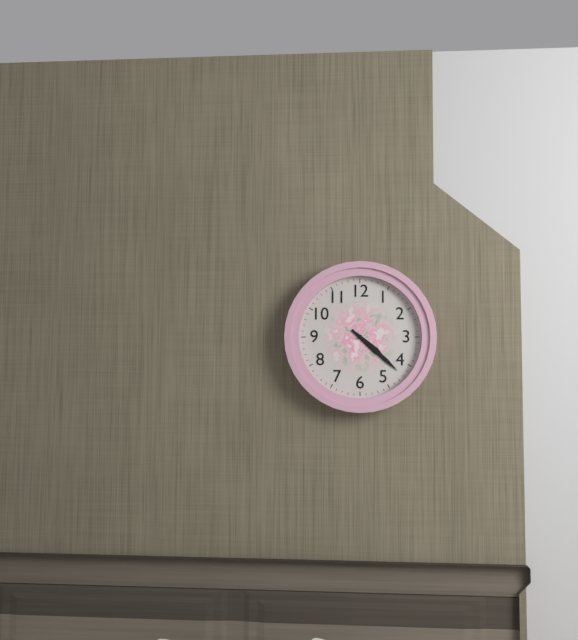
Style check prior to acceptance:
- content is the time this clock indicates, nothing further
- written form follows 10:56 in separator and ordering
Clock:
4:22
